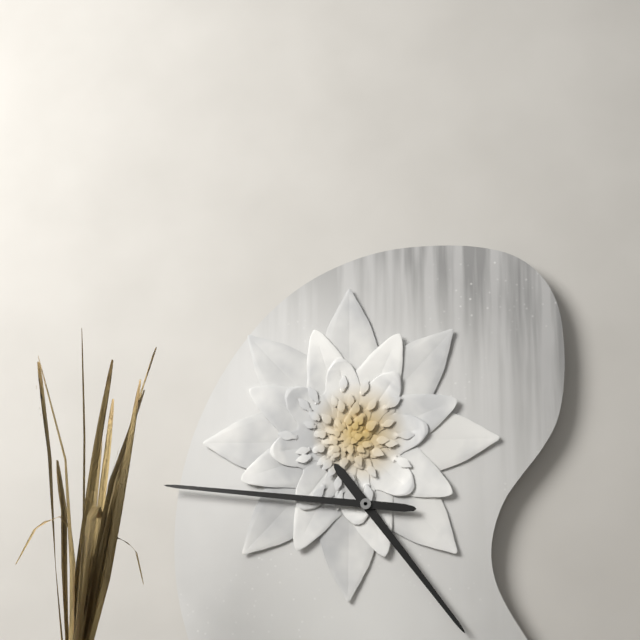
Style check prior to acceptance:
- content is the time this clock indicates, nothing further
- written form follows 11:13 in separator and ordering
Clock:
4:46
